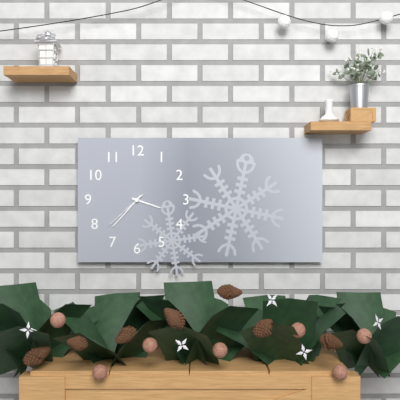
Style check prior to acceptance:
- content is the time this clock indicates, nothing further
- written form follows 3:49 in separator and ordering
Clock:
3:37
